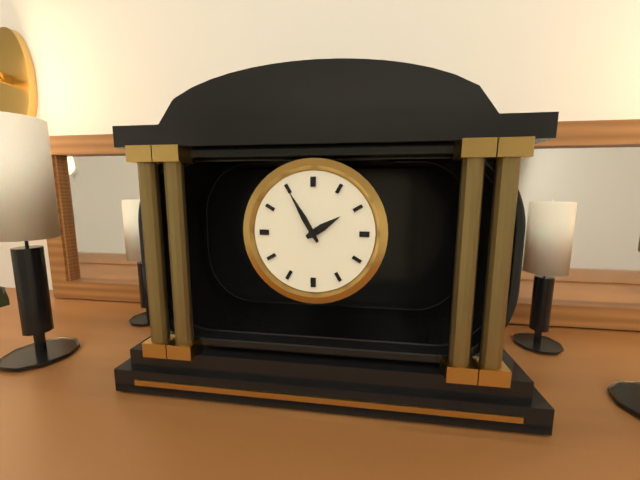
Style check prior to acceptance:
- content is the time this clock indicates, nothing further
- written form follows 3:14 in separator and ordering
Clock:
1:55
